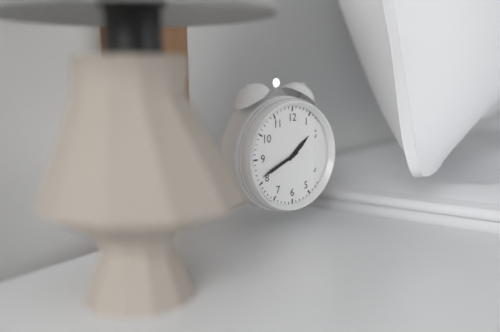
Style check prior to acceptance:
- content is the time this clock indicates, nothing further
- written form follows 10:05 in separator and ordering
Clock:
1:41
